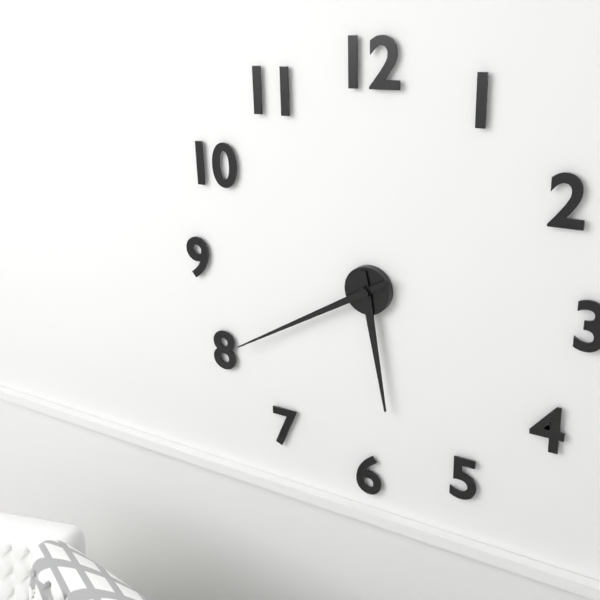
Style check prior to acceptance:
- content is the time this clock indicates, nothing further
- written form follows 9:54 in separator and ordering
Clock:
5:40
